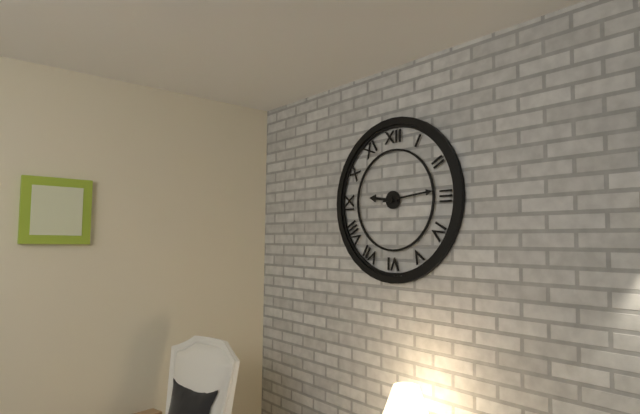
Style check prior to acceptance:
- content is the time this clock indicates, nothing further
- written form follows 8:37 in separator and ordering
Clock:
9:14
